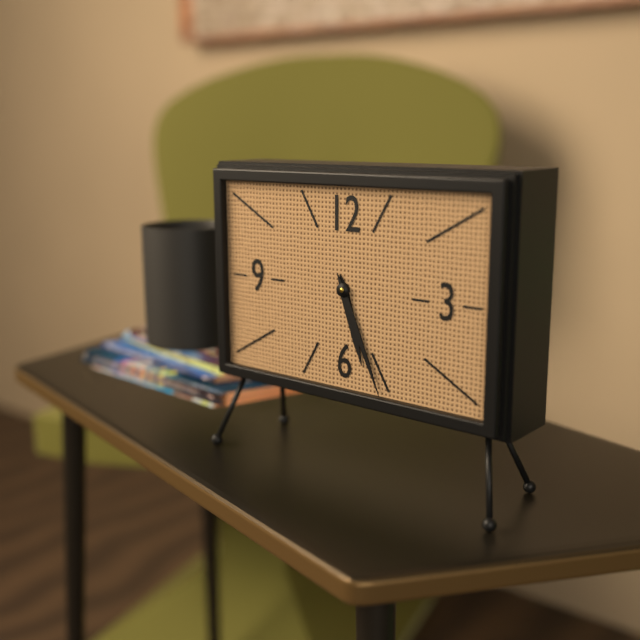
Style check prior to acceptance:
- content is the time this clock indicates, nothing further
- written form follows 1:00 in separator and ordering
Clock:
5:26
